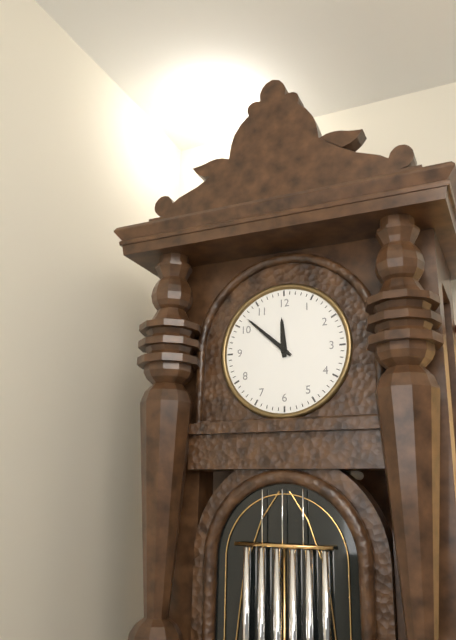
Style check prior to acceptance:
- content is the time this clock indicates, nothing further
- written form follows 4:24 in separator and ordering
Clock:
11:52
